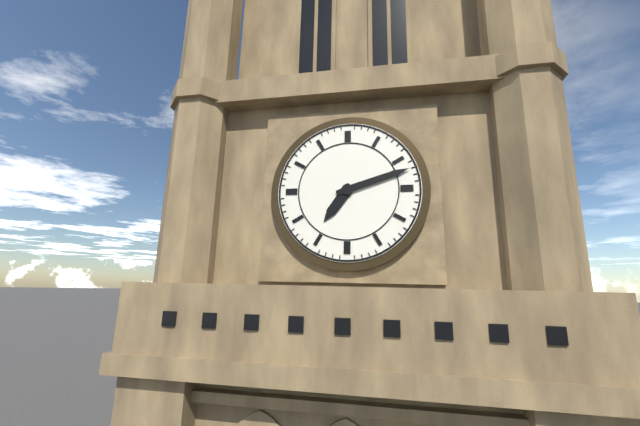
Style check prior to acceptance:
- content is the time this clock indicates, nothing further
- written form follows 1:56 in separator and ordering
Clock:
7:12
